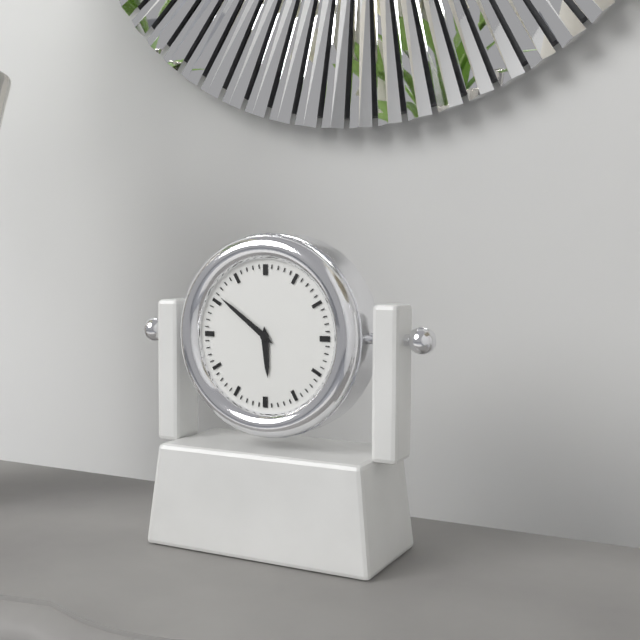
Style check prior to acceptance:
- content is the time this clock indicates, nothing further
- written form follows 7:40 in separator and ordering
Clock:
5:51
